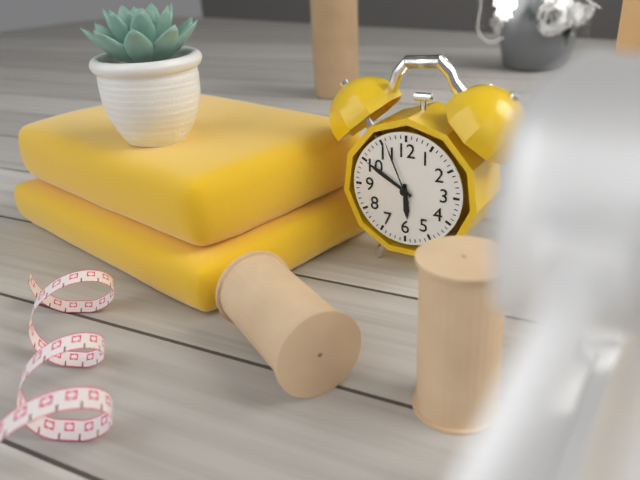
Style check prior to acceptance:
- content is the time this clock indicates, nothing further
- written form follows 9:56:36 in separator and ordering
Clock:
5:50:56
